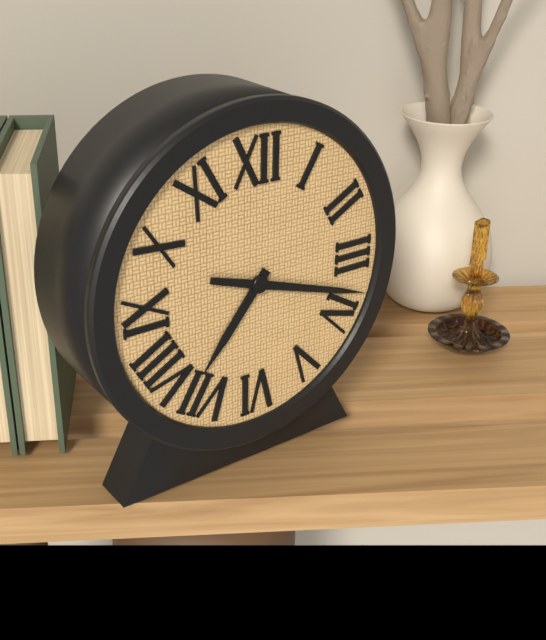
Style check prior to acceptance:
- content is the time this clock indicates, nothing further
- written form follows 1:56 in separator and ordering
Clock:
7:18
